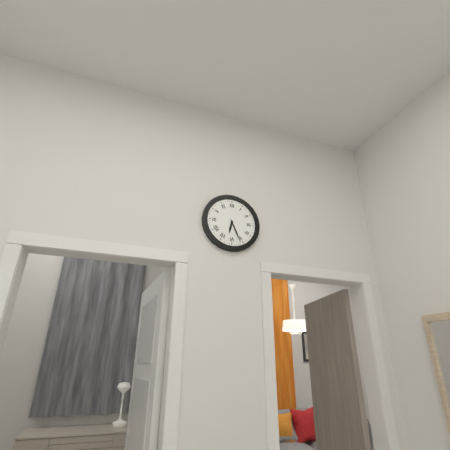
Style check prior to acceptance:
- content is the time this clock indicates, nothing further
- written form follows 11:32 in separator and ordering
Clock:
6:26
